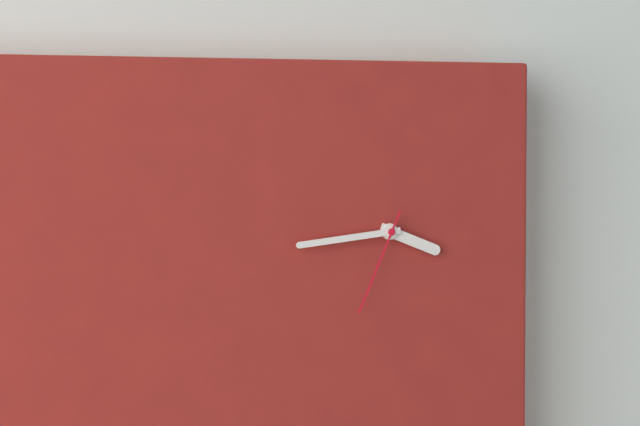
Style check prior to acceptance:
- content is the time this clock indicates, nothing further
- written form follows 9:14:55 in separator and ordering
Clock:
3:44:34
